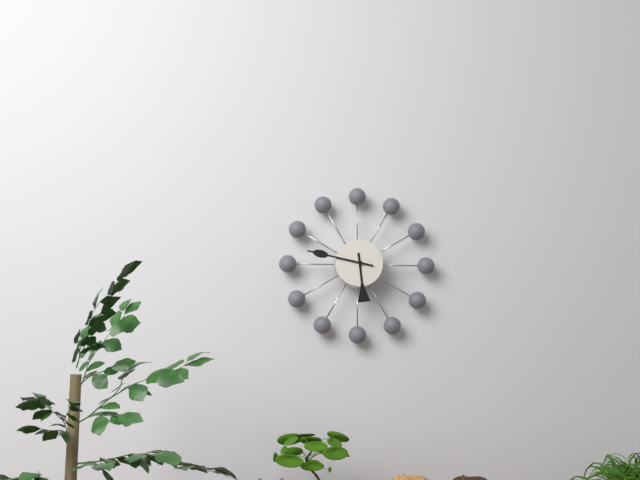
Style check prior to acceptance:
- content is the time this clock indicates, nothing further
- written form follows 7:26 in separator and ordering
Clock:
5:47
